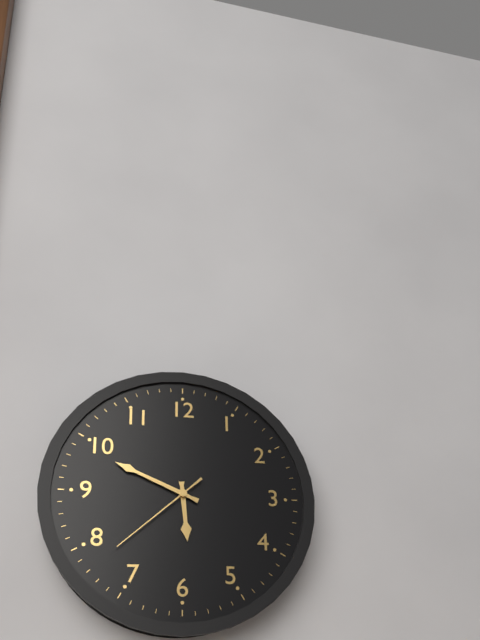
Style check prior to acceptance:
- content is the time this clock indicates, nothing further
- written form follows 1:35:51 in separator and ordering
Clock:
5:49:38
